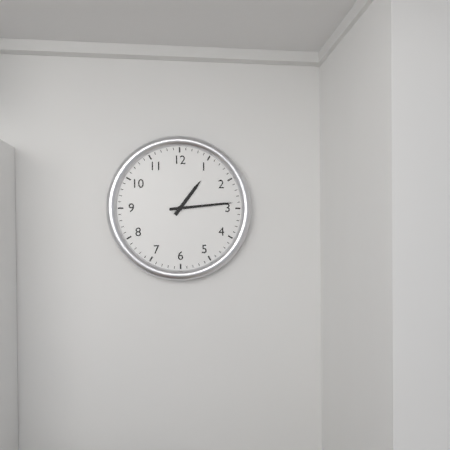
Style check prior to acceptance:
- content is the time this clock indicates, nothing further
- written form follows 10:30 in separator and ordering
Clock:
1:14
